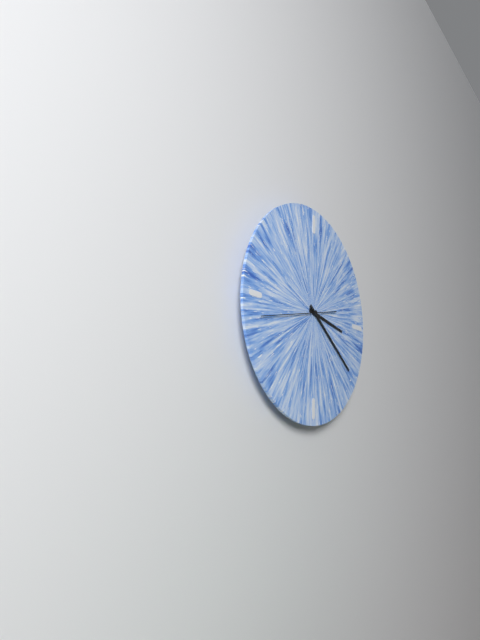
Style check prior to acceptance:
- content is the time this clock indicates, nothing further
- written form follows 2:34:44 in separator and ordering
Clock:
3:21:43
